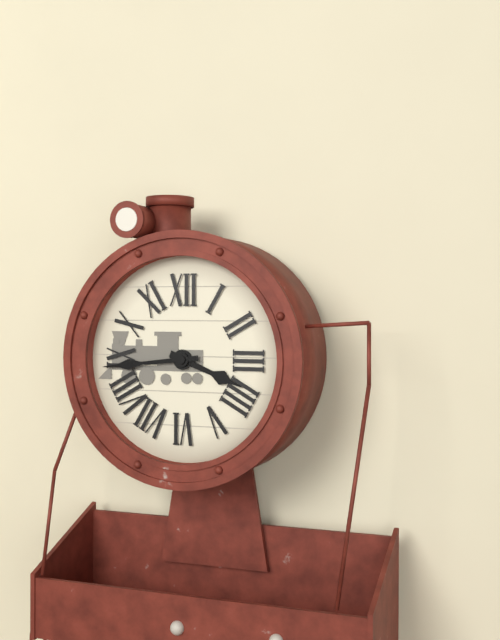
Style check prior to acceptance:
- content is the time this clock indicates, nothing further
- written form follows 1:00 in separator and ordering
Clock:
3:44
